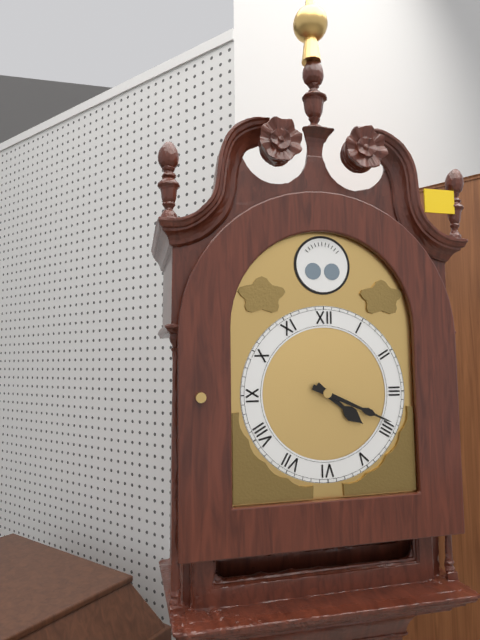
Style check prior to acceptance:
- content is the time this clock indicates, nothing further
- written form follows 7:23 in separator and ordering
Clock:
4:19
